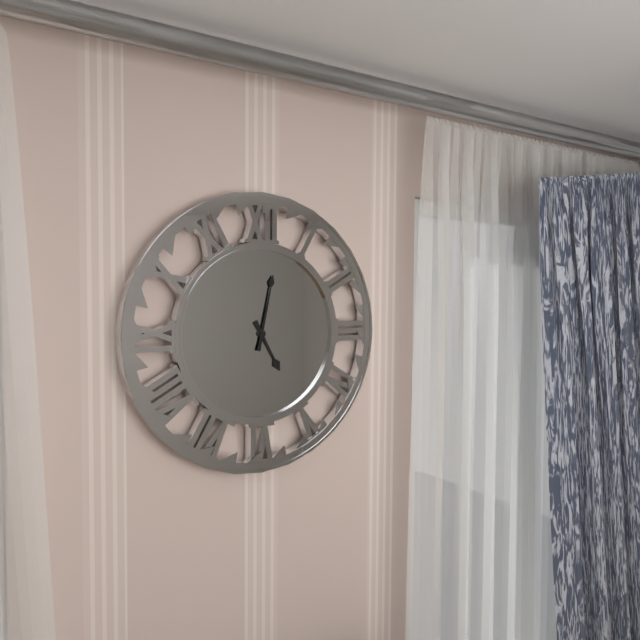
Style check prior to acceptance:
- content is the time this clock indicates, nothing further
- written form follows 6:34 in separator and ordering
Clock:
5:02
